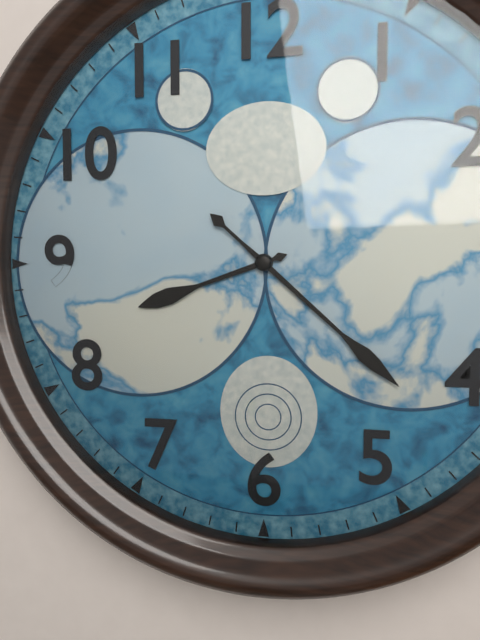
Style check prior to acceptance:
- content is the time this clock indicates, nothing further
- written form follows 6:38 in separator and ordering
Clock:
8:22
